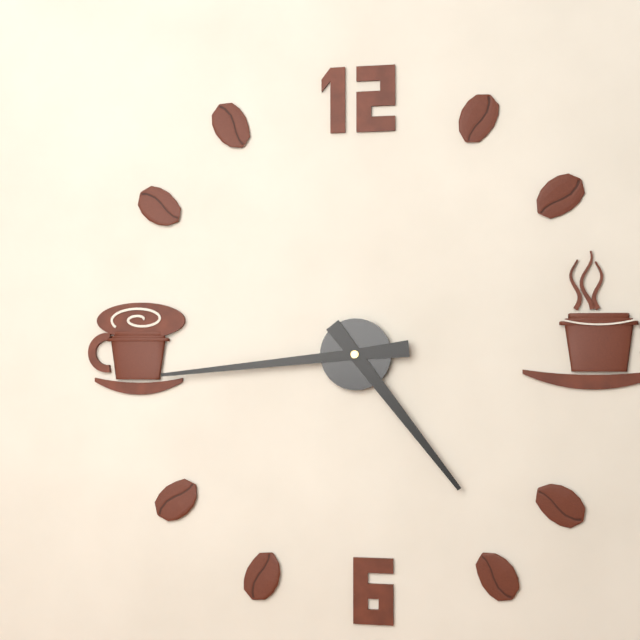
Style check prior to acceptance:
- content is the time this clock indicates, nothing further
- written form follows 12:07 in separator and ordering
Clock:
4:44
